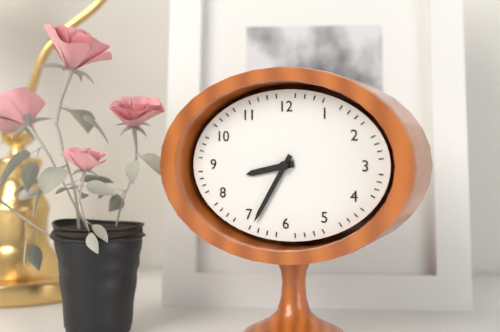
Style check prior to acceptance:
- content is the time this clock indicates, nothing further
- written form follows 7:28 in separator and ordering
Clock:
8:35
